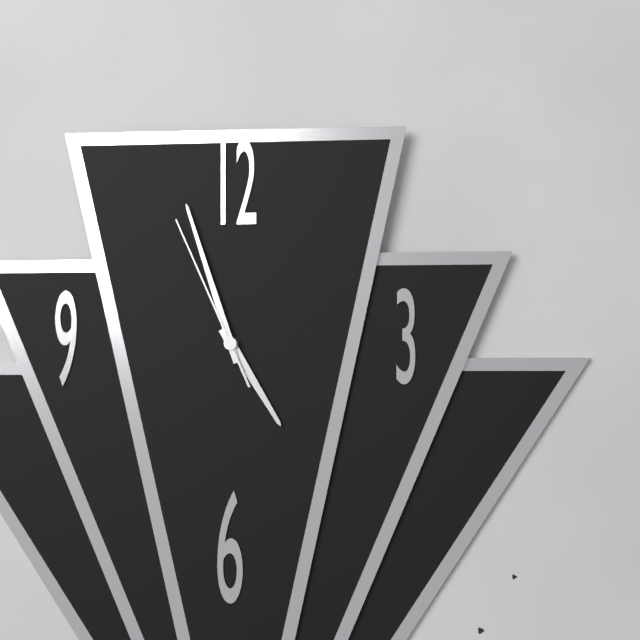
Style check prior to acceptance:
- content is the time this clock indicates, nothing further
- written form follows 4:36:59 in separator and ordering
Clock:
4:57:56
